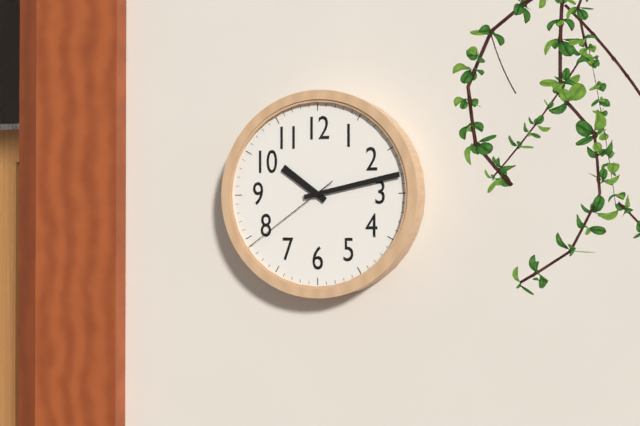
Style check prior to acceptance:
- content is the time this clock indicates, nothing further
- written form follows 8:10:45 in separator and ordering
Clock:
10:13:39
